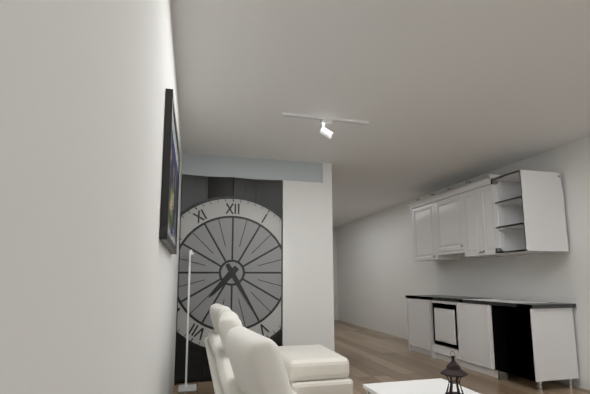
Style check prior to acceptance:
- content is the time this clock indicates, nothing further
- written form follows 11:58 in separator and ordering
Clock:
7:25
